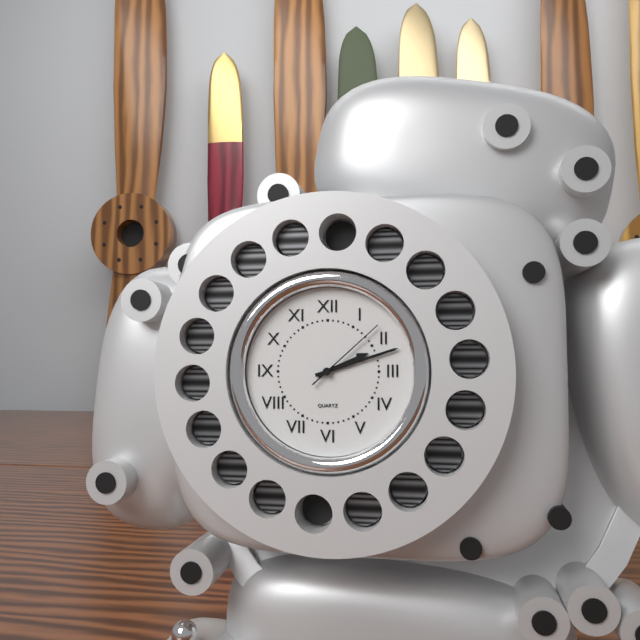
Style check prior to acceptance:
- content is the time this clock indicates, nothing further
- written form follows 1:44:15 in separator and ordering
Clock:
2:12:08
